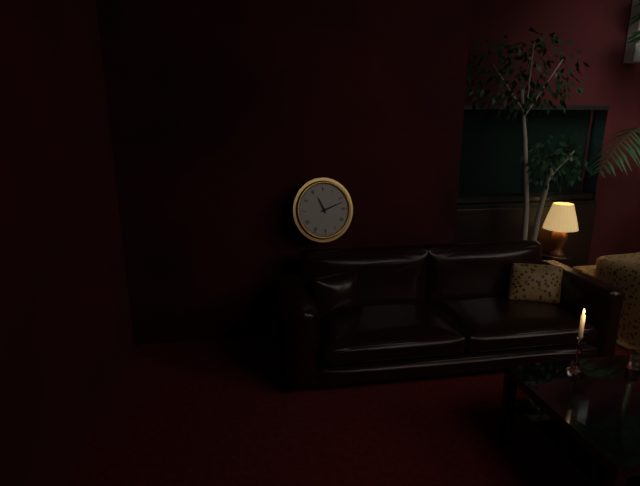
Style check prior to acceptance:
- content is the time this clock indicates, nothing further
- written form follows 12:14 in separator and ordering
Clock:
11:12
